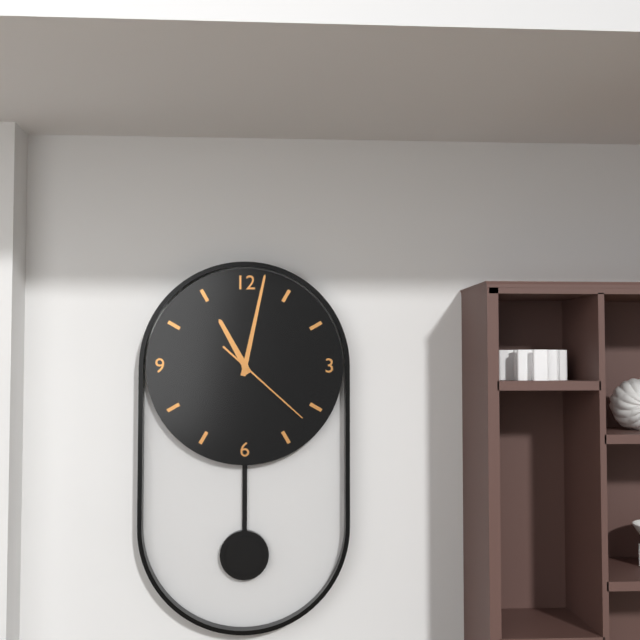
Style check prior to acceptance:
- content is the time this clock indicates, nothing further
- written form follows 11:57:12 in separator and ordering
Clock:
11:02:22
